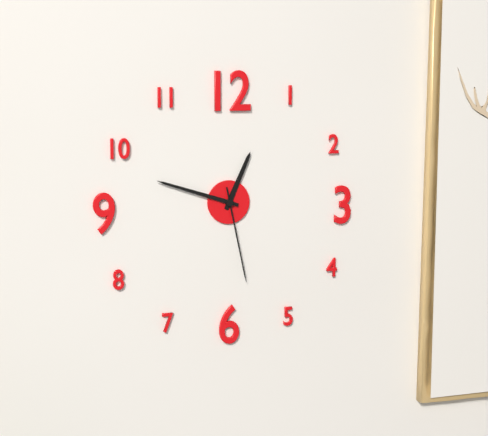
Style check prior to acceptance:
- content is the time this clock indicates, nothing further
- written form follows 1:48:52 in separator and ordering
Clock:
12:48:28
